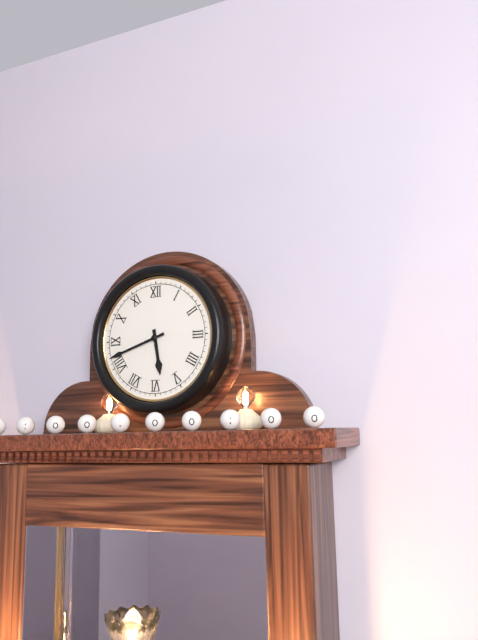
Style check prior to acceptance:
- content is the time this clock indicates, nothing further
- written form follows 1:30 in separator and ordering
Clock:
5:42
